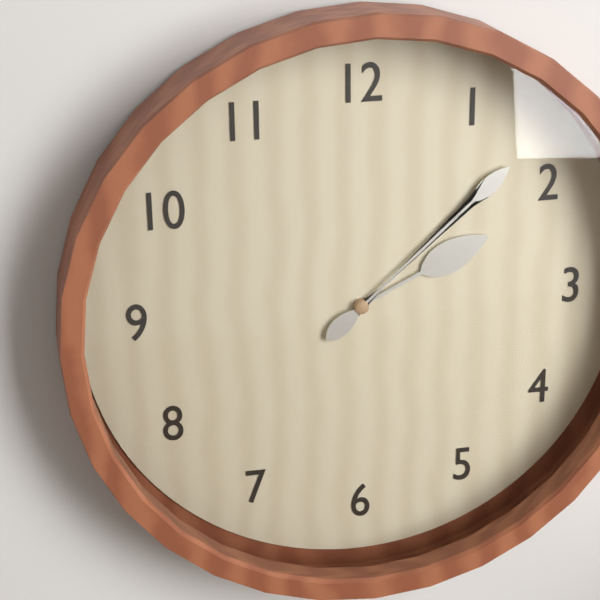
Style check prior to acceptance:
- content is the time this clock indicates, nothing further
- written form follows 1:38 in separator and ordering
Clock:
2:08
